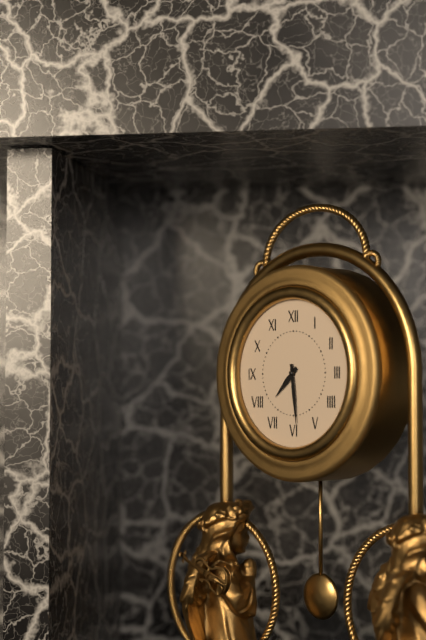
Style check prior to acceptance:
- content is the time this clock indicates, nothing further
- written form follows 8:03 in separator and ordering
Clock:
7:29
